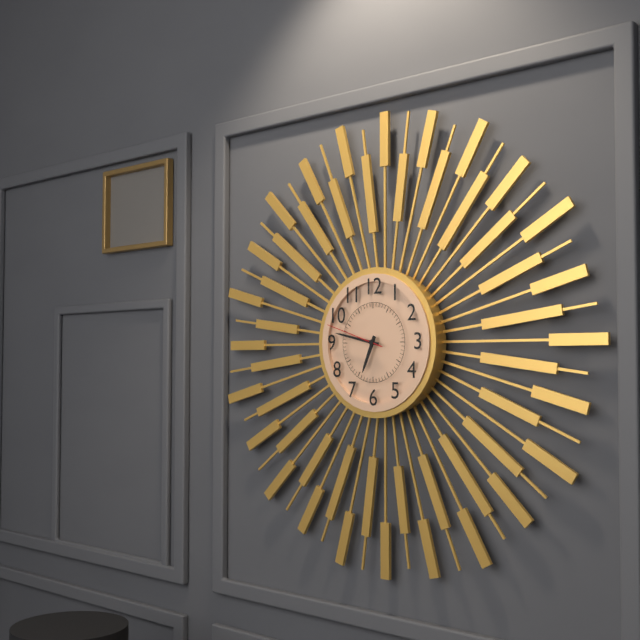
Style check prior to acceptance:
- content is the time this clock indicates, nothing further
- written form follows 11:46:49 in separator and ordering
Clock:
6:47:48
